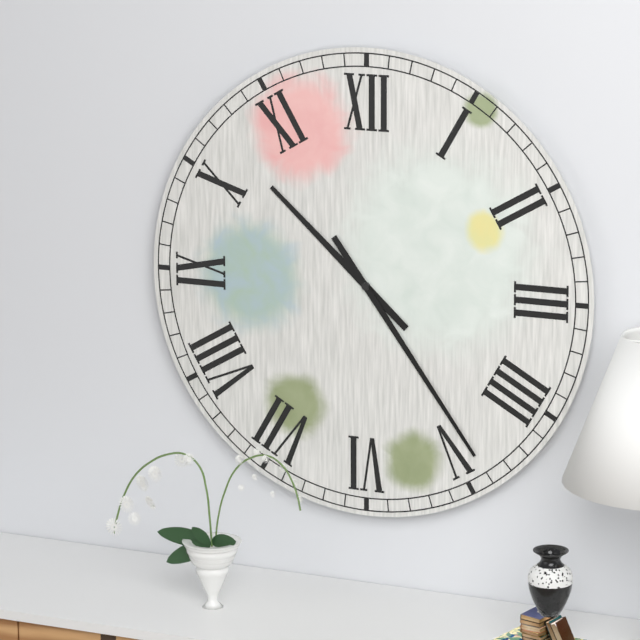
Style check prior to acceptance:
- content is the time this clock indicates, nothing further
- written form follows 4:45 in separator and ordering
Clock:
10:24
